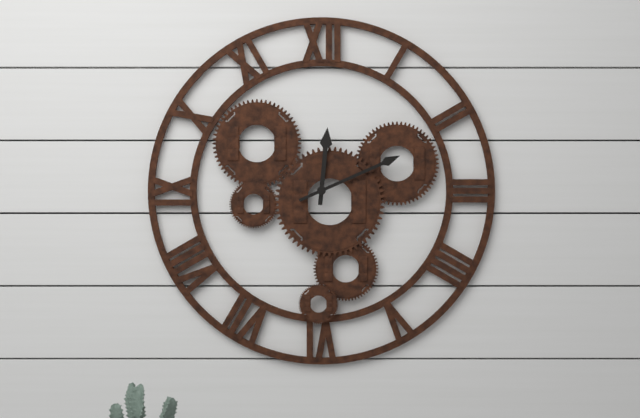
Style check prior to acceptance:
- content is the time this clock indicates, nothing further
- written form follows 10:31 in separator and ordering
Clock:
12:11
